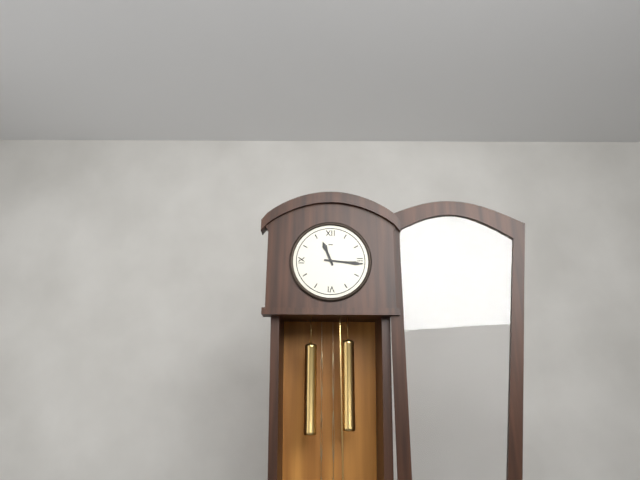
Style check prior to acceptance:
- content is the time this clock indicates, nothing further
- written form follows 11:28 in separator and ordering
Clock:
11:16
